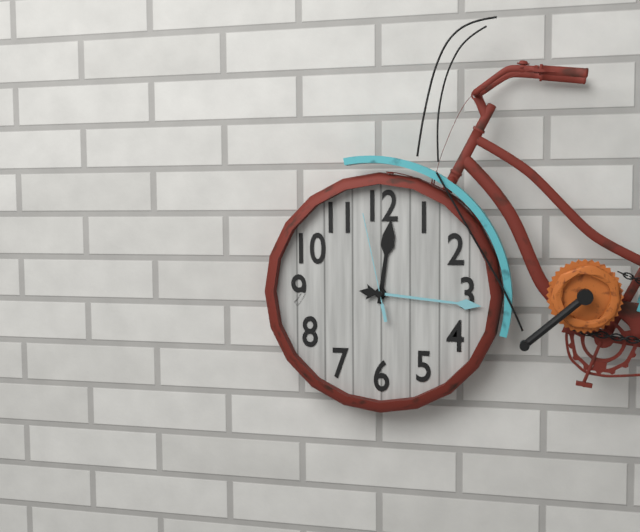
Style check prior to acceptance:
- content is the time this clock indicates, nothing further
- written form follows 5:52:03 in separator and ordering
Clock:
12:16:58
